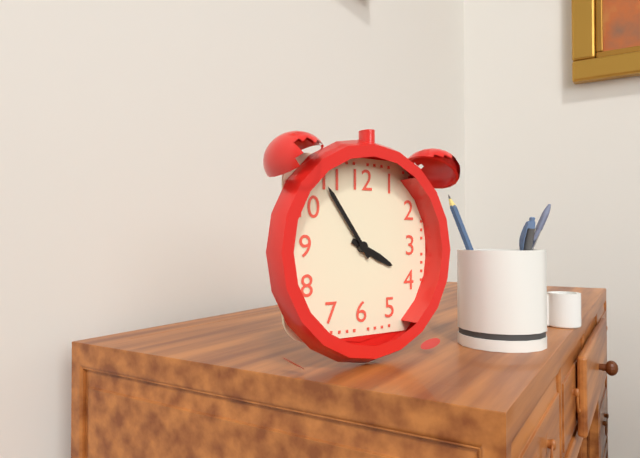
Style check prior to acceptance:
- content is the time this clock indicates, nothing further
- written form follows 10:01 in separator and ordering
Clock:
3:54
